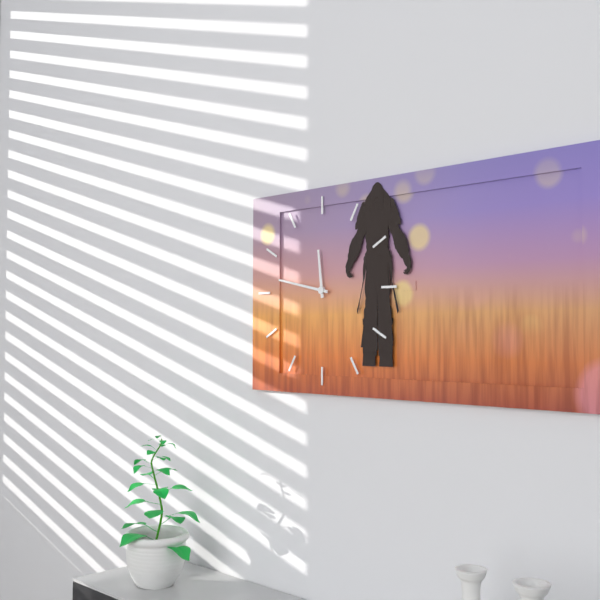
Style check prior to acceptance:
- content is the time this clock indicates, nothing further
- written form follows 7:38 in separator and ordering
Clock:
11:47
